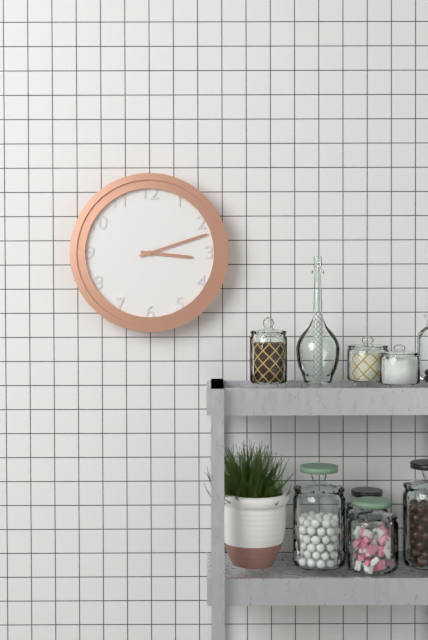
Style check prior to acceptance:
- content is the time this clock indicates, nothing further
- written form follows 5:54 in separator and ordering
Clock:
3:12
